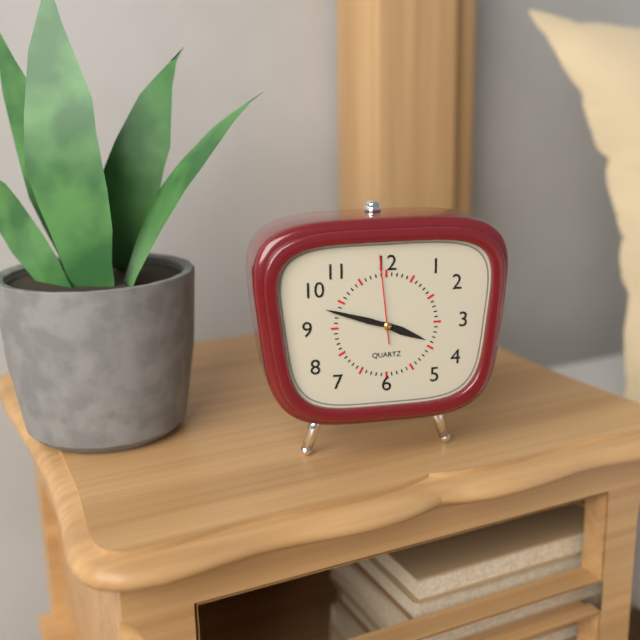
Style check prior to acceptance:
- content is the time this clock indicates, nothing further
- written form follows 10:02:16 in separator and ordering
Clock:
3:48:59
